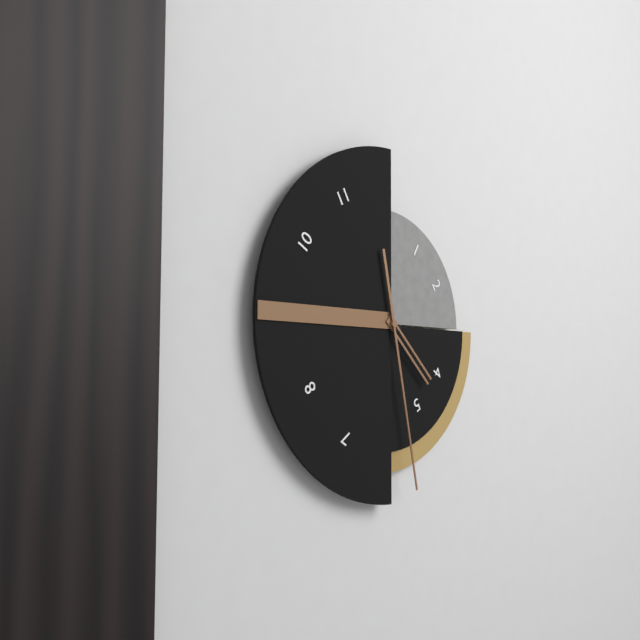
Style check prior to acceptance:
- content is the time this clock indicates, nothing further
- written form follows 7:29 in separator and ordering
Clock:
4:28
